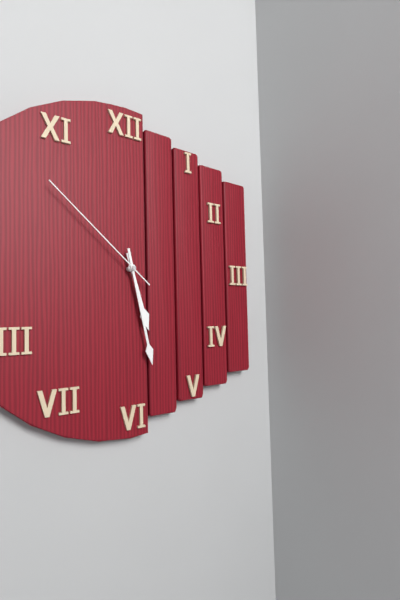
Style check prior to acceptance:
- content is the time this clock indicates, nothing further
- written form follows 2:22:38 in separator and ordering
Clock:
5:28:52
